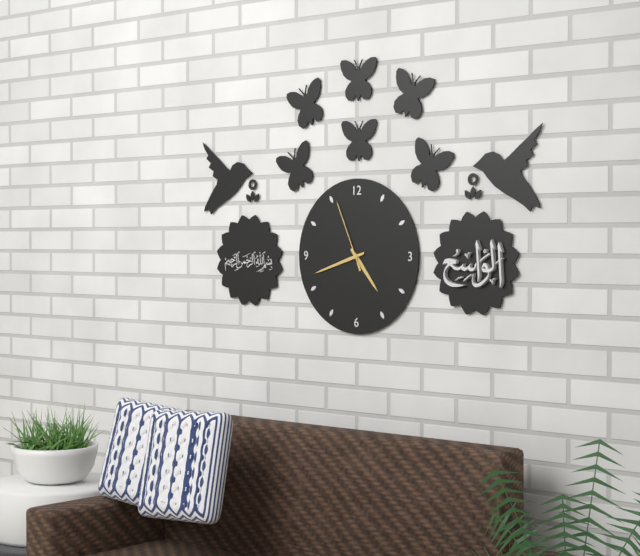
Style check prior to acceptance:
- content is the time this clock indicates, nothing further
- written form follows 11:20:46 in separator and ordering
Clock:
4:42:56
